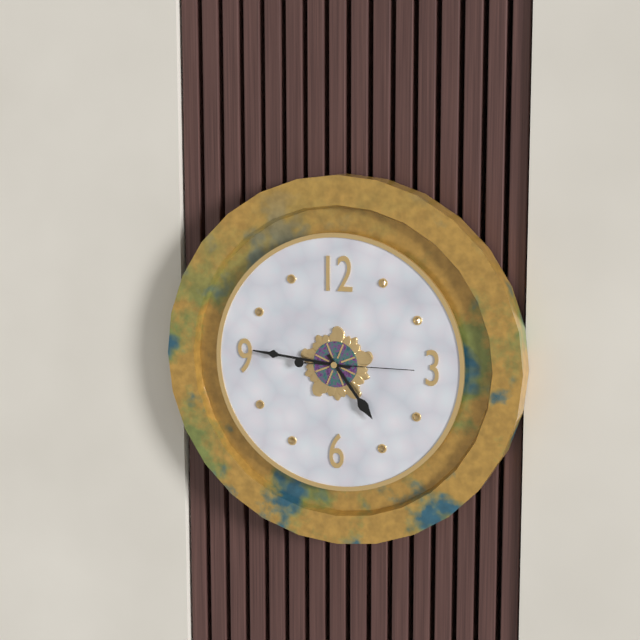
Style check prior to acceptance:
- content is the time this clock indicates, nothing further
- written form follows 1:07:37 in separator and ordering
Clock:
4:46:15
